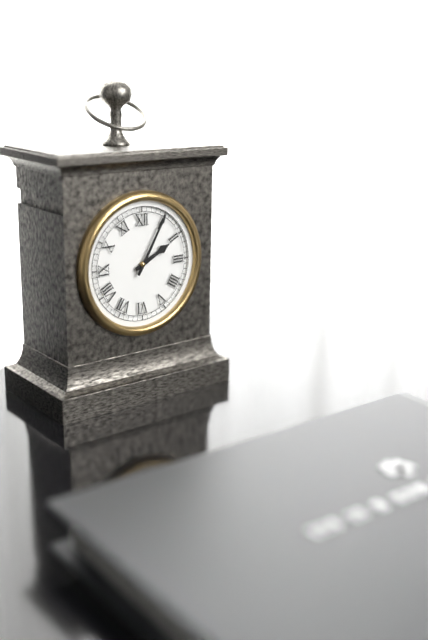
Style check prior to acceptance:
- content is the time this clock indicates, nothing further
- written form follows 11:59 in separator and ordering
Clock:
2:05
